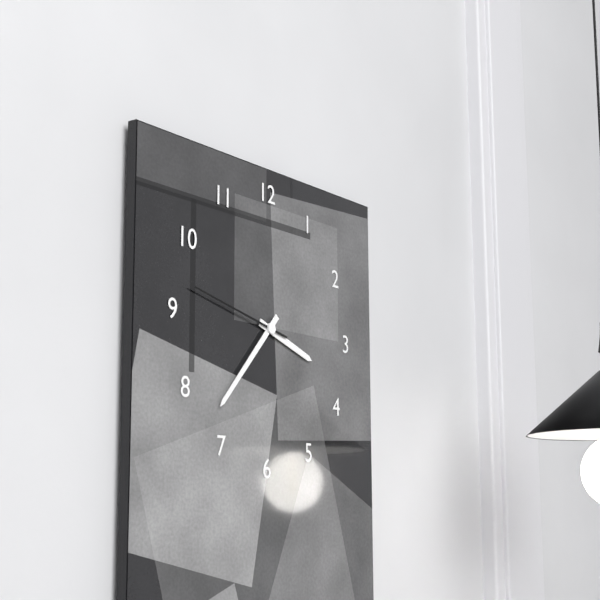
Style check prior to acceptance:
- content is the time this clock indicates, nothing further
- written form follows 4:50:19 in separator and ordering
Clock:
3:37:47
